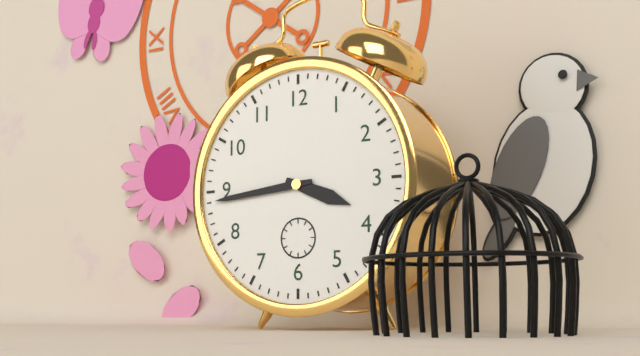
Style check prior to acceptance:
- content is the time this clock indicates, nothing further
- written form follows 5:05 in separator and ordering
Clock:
3:44
